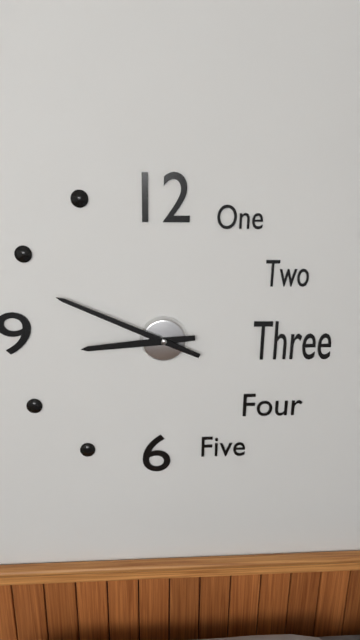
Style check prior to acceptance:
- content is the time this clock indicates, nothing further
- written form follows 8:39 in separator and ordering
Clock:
8:49
